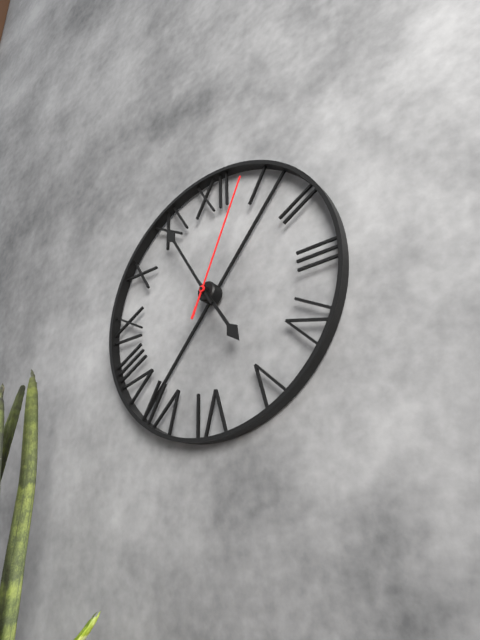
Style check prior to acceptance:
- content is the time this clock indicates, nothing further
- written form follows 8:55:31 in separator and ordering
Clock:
4:55:04
